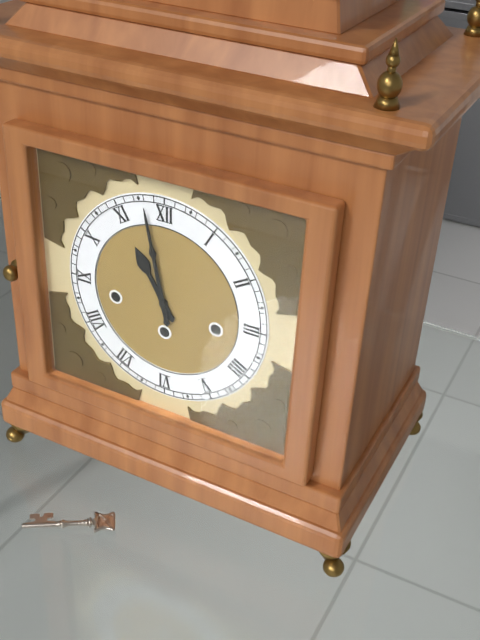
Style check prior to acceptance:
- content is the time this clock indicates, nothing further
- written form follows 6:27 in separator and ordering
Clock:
10:58
